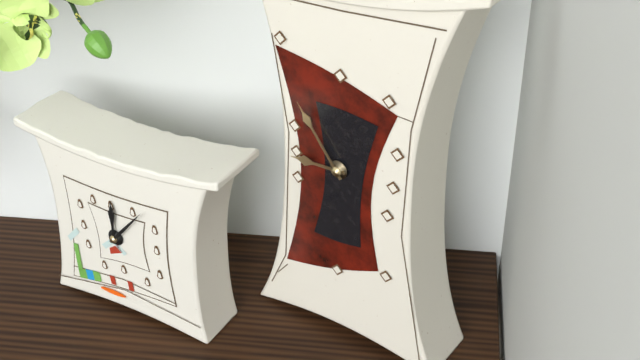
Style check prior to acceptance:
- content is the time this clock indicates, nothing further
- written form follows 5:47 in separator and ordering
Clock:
8:54
